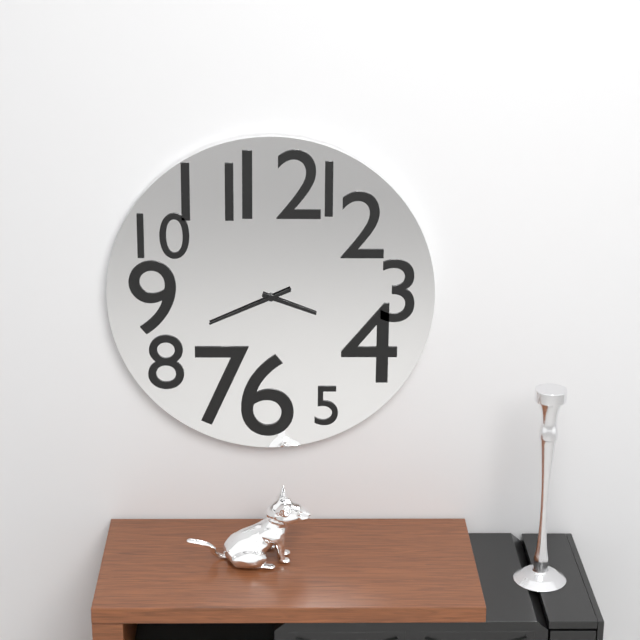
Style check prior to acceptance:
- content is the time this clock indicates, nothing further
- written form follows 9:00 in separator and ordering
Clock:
3:41
